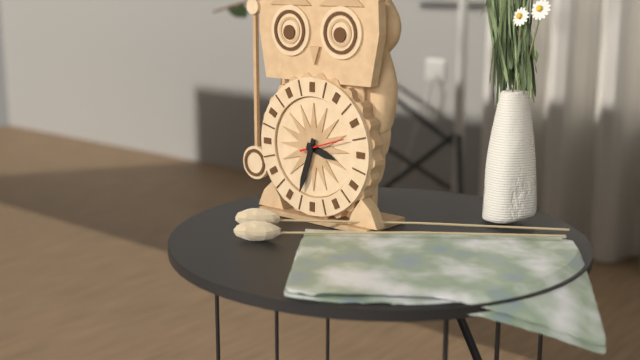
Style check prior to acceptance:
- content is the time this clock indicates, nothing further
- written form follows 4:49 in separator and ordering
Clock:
3:33
